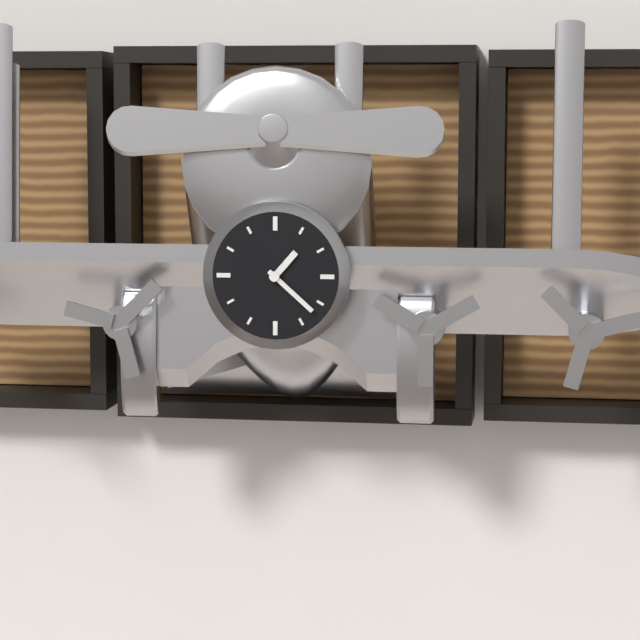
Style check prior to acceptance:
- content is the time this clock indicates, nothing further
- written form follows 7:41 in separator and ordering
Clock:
1:22
